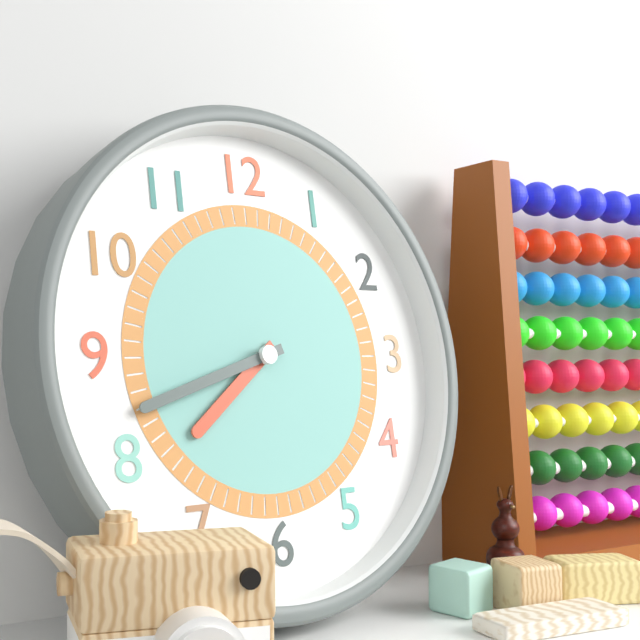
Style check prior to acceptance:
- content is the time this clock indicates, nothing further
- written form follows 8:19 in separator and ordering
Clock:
7:42
